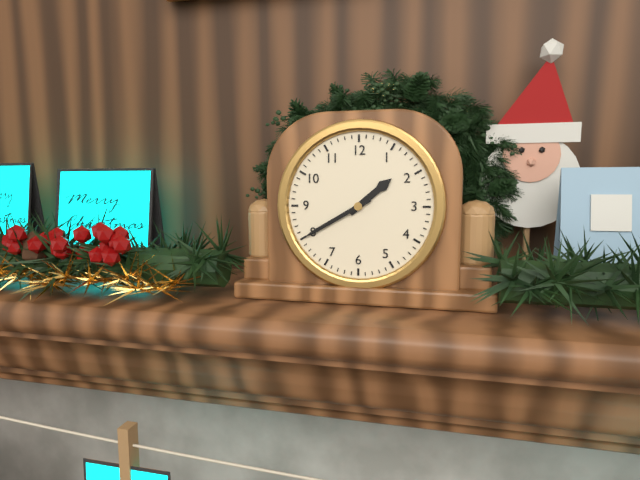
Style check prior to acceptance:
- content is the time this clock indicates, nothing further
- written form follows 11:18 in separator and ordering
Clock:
1:40
